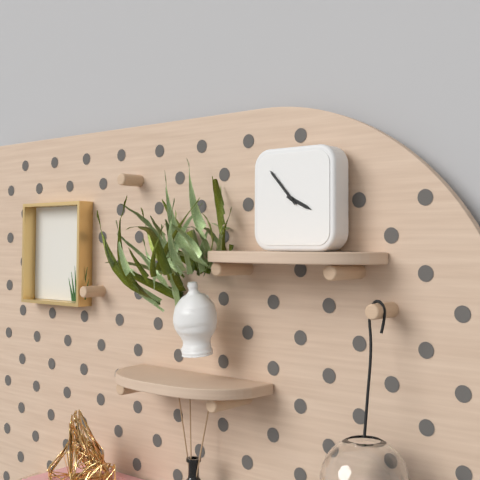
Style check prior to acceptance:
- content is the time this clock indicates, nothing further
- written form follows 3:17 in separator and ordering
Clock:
3:53
